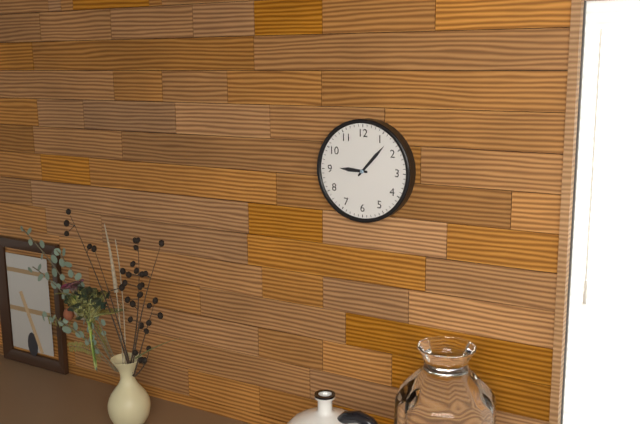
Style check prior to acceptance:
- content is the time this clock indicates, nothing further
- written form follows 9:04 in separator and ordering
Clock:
9:07
